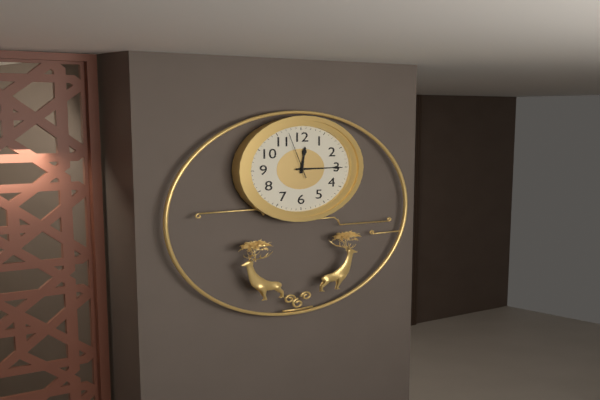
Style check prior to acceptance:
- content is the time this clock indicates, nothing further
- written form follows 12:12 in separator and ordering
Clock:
12:15
